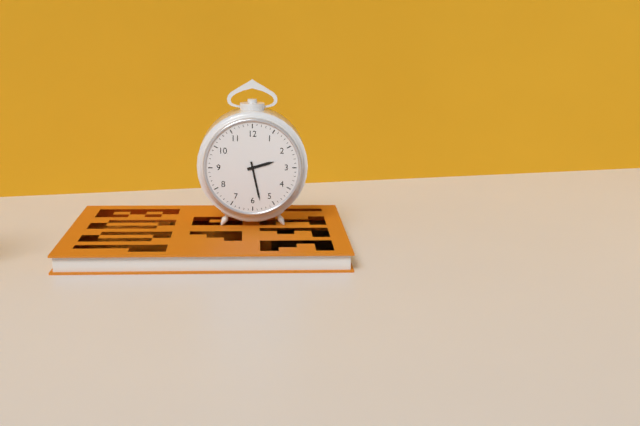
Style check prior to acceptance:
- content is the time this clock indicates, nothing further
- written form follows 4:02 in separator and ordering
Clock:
2:28
